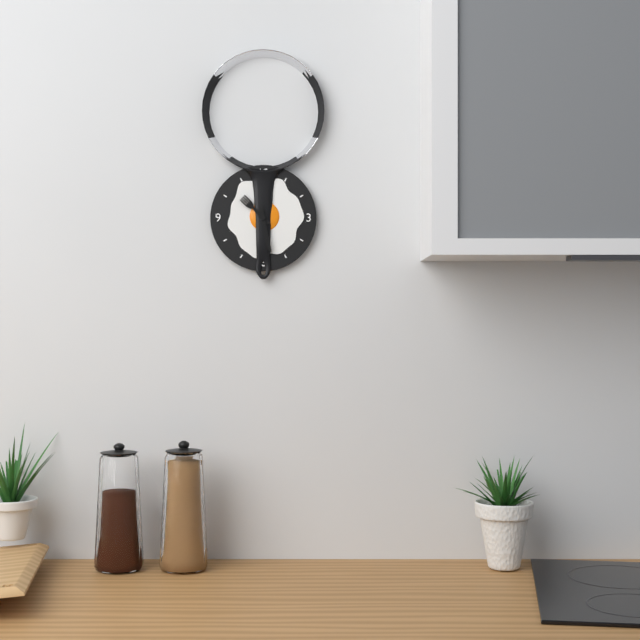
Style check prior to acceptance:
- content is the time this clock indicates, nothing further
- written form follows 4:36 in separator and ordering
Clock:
10:28
